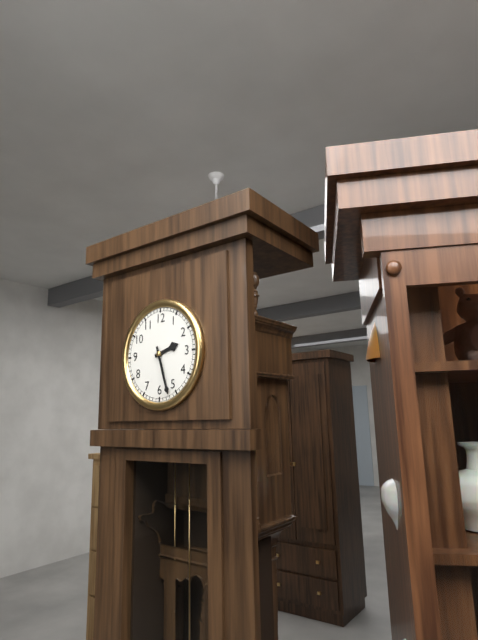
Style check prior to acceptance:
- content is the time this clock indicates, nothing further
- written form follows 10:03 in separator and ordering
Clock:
2:27
